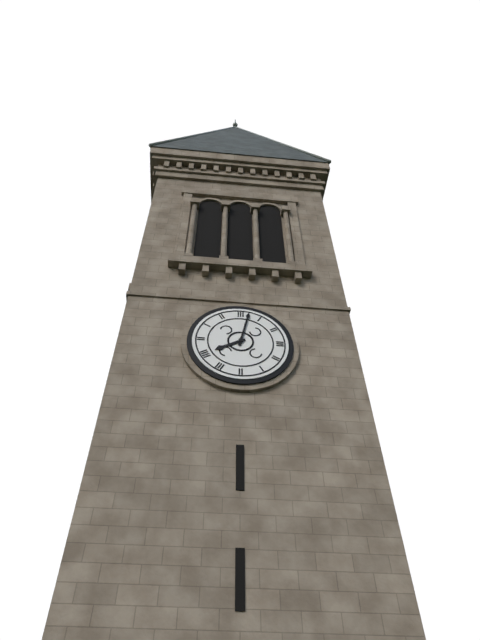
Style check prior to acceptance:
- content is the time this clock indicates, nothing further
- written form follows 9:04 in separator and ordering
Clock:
8:02
